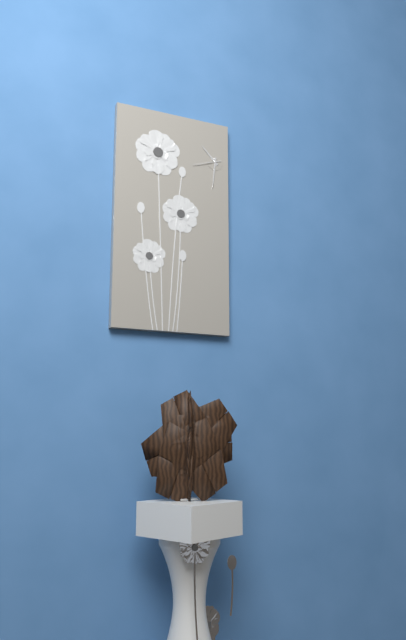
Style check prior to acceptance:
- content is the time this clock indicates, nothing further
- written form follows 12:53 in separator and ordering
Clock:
10:31
